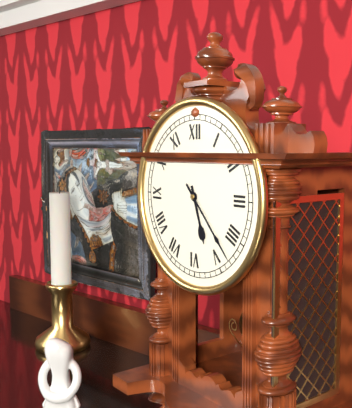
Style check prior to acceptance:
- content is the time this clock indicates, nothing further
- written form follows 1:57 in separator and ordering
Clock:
5:23
